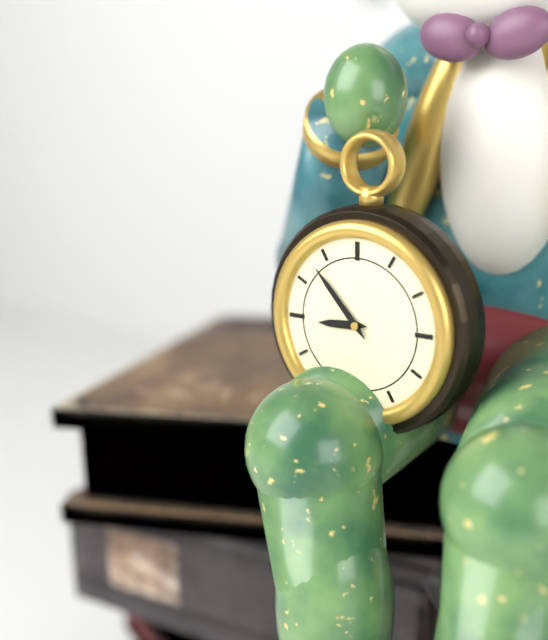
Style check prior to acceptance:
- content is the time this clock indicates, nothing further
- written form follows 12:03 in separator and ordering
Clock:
8:53
